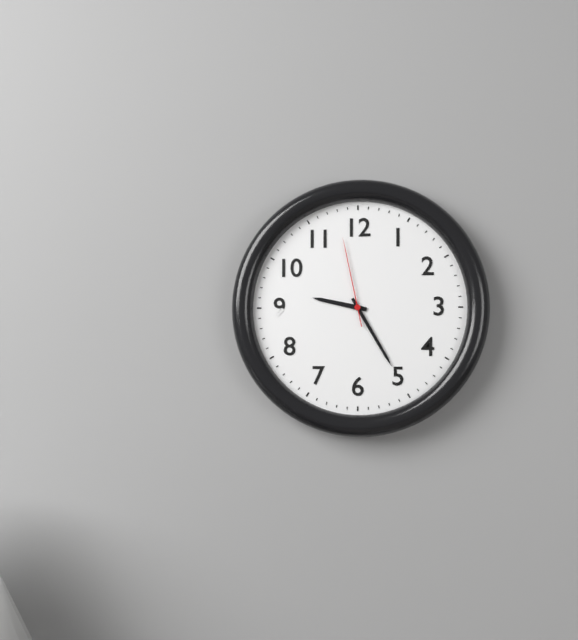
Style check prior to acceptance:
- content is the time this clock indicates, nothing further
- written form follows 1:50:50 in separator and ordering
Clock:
9:25:58
